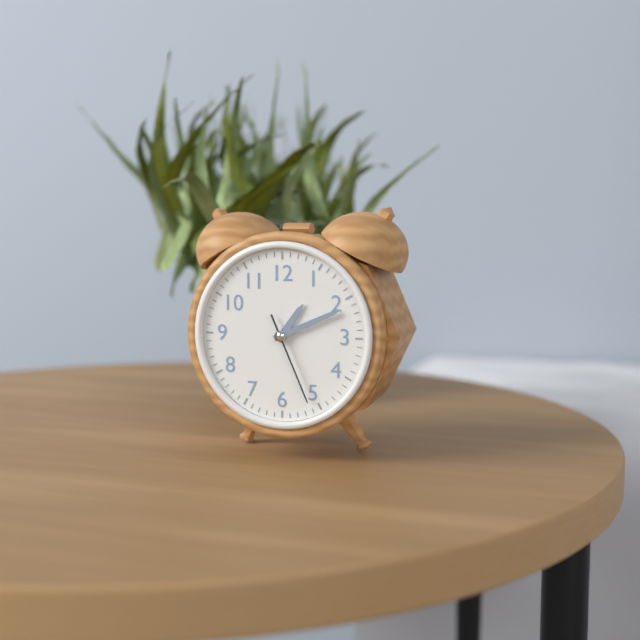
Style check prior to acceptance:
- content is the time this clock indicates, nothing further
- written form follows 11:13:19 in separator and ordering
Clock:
1:11:26
